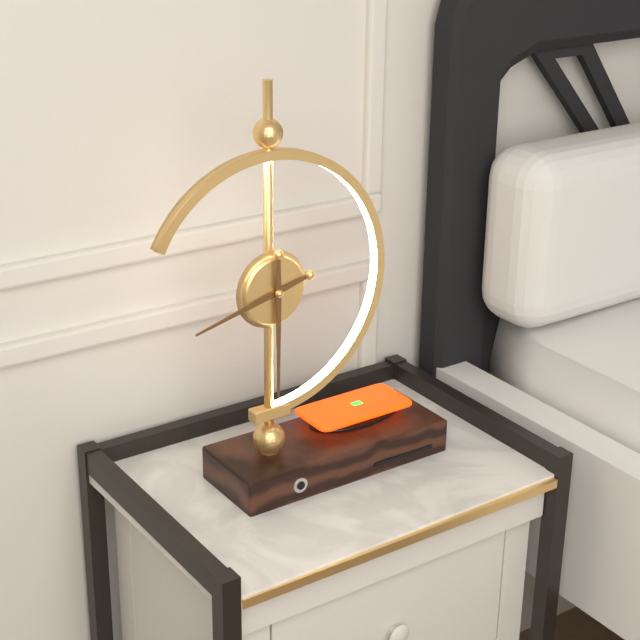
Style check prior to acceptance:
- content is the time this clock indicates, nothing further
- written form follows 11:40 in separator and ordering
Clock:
8:30
